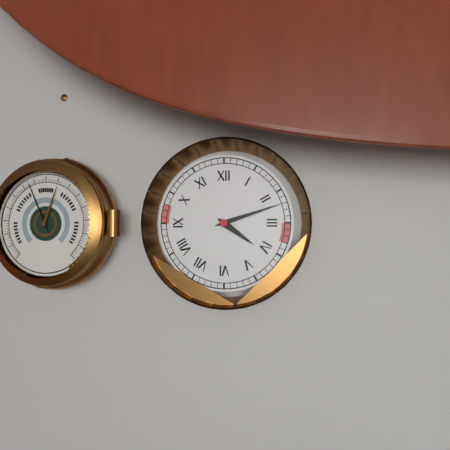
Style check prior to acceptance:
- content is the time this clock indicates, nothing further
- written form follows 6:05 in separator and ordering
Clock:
4:12
